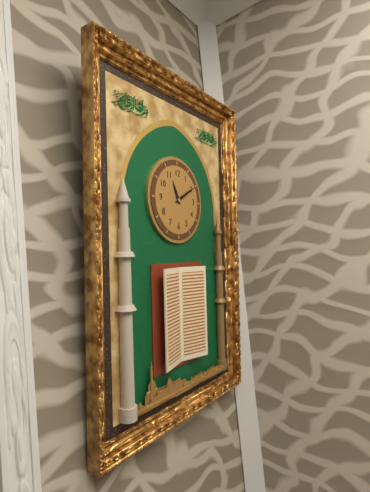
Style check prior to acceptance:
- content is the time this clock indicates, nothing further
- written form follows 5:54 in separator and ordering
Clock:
11:10
